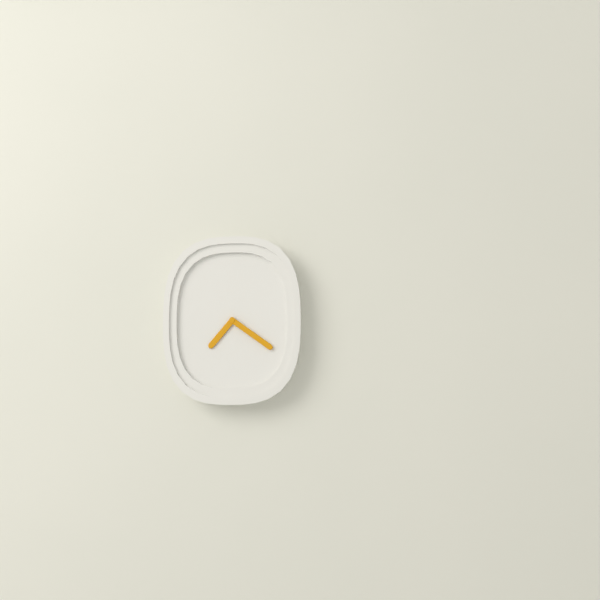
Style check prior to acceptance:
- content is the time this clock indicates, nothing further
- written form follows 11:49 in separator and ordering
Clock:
7:21
